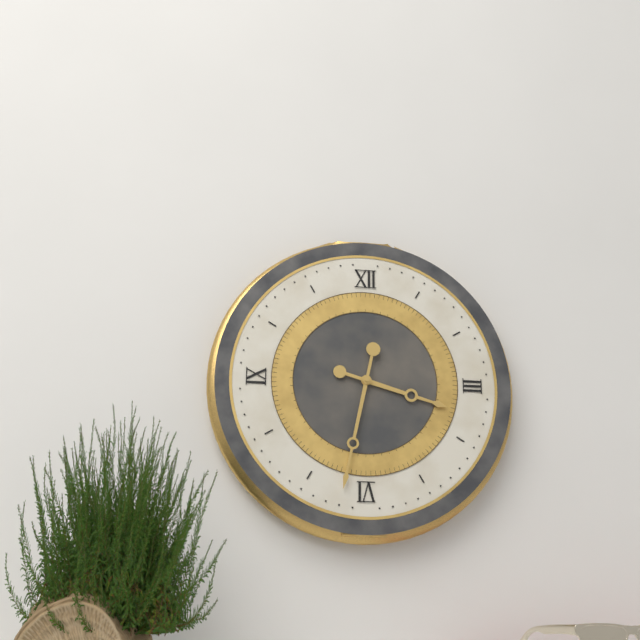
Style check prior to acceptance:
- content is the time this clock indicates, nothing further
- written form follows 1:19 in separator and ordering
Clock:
3:32
